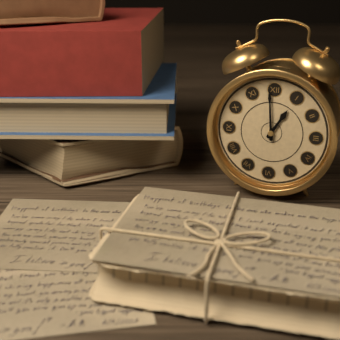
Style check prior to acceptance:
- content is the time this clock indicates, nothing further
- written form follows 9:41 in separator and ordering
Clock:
12:59
